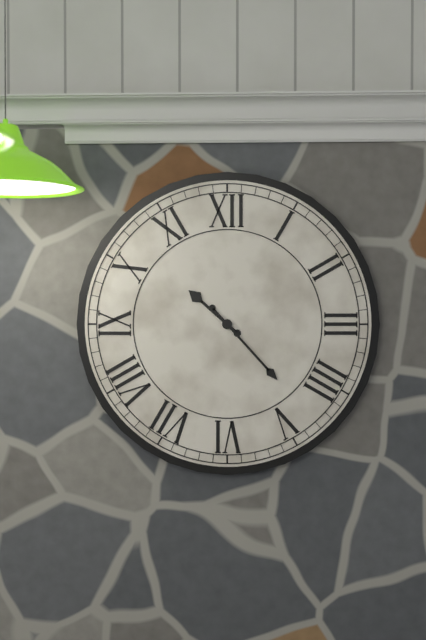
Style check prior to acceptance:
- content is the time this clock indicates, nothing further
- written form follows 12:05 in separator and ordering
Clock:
10:23
